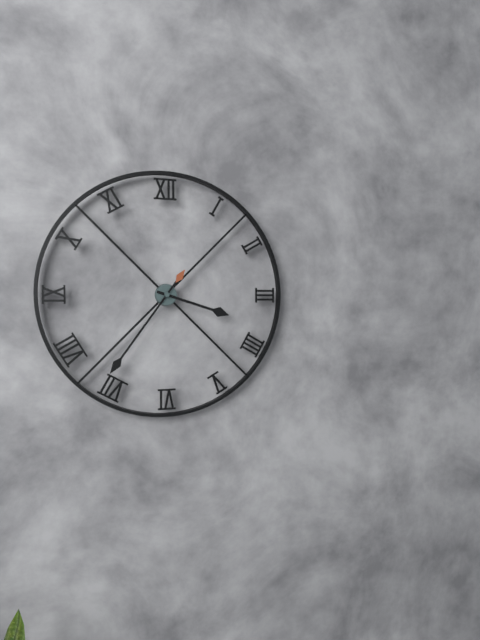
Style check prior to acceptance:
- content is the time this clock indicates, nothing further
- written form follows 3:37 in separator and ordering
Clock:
3:36
